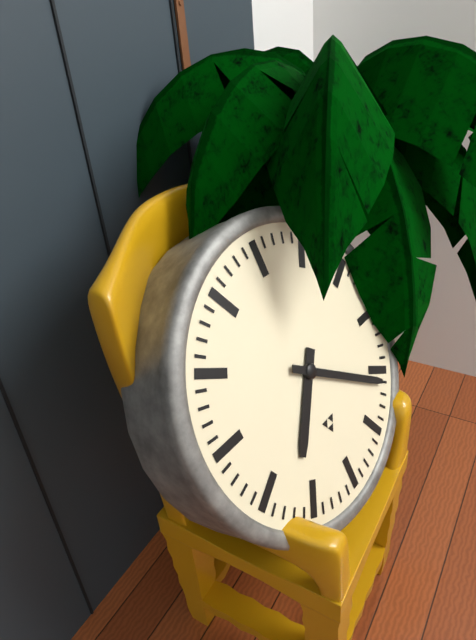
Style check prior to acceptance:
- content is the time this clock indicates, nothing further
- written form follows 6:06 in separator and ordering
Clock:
7:21
